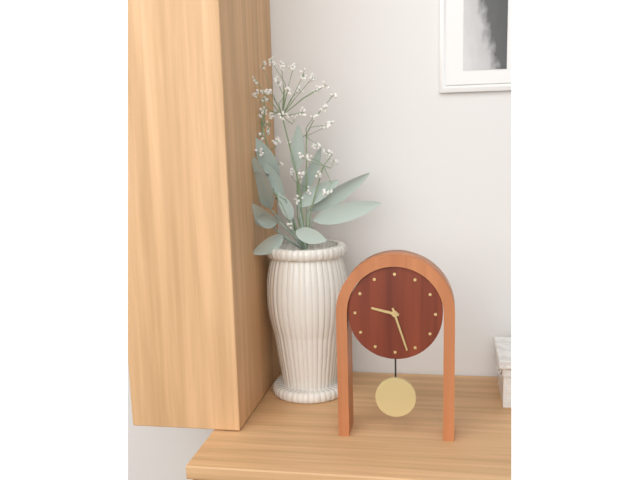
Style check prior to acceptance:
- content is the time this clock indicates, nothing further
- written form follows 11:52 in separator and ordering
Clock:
9:27
